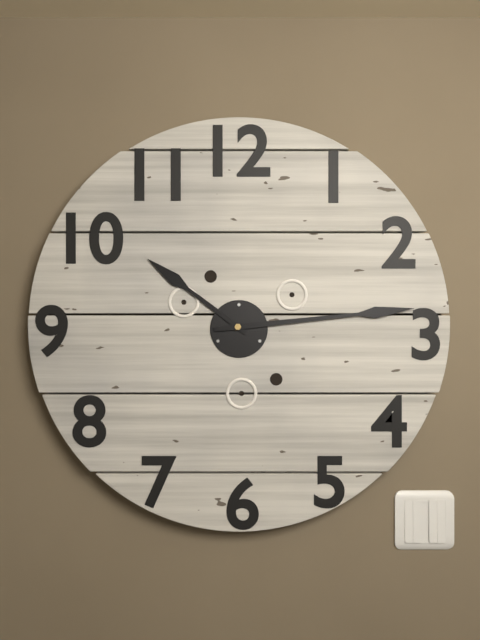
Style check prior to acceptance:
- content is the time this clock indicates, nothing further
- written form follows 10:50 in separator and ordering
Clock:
10:14
